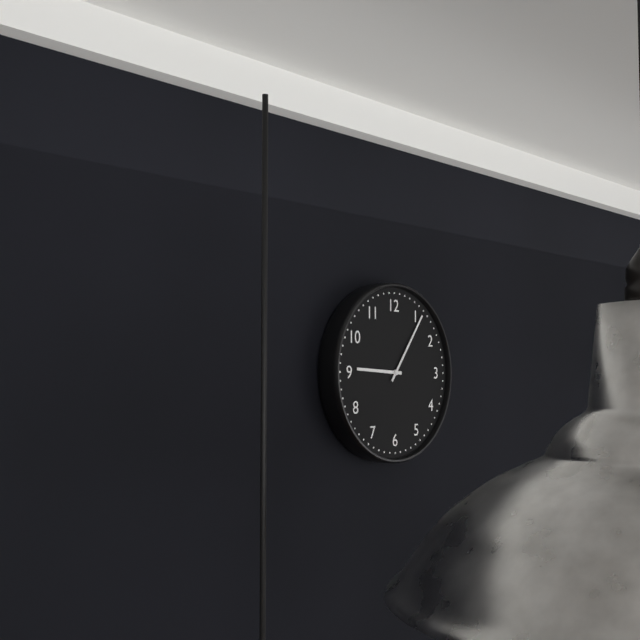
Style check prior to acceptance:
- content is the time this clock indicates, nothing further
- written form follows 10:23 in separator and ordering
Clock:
9:06
